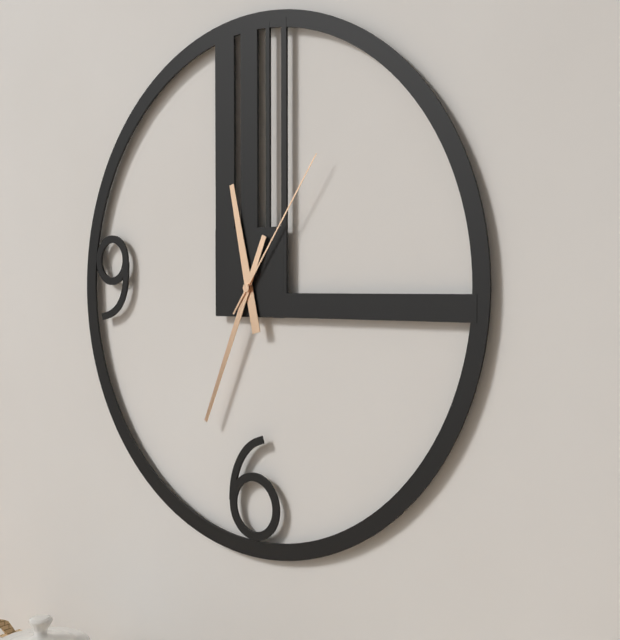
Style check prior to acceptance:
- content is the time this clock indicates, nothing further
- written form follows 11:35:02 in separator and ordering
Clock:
11:34:06
